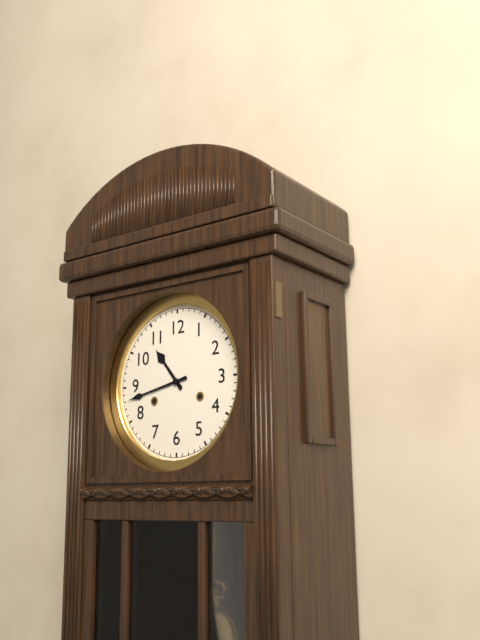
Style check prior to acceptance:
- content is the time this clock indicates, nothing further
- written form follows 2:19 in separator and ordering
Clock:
10:43
